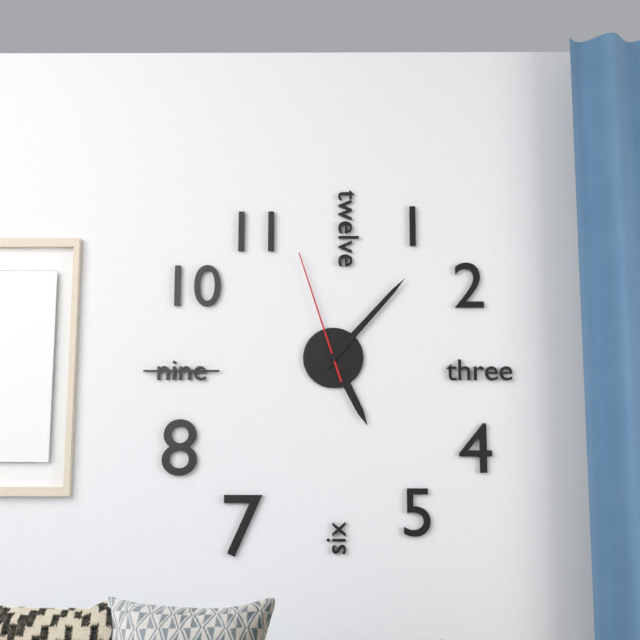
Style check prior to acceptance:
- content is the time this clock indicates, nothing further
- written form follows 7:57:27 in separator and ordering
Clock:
5:07:57
